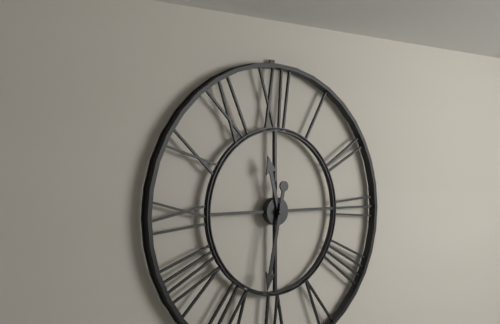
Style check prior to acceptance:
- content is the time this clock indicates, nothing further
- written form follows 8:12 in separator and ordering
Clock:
11:32
